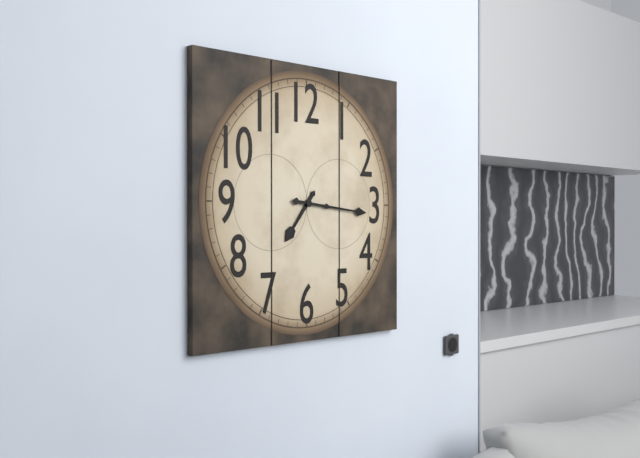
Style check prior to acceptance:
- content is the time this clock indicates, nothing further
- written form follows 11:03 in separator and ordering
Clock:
7:16
